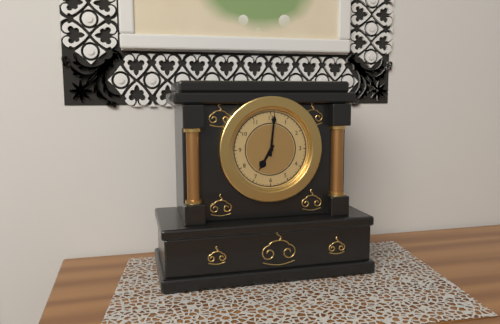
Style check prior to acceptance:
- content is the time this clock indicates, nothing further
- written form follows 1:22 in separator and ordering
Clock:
7:01
